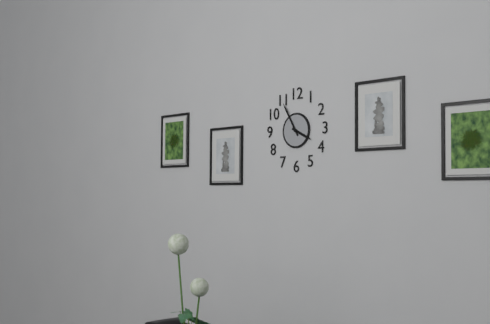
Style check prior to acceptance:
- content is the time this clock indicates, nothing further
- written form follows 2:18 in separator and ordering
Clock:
3:55
